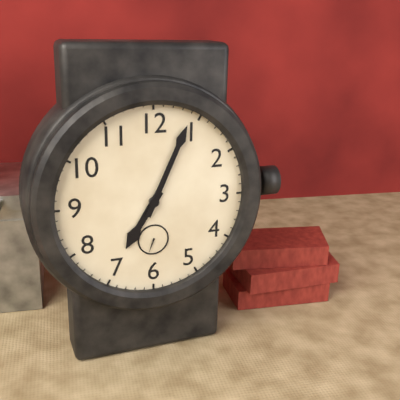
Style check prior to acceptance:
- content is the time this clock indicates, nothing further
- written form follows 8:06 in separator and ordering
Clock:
7:04
